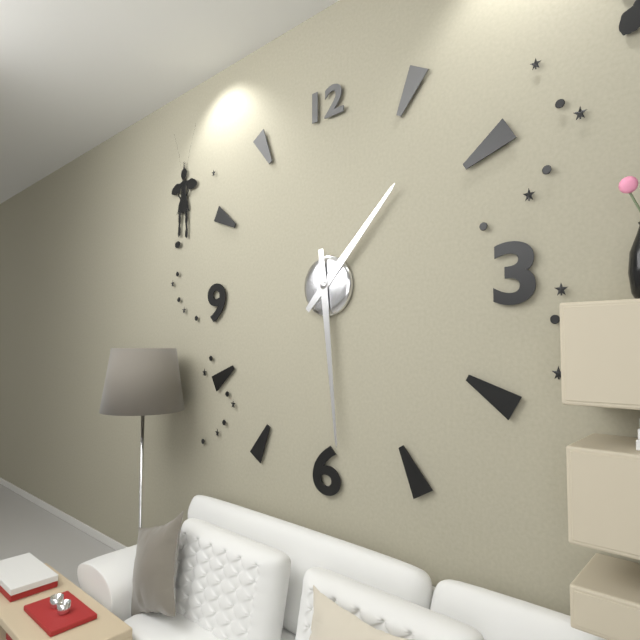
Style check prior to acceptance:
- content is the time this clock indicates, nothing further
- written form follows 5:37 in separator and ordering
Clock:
1:29
